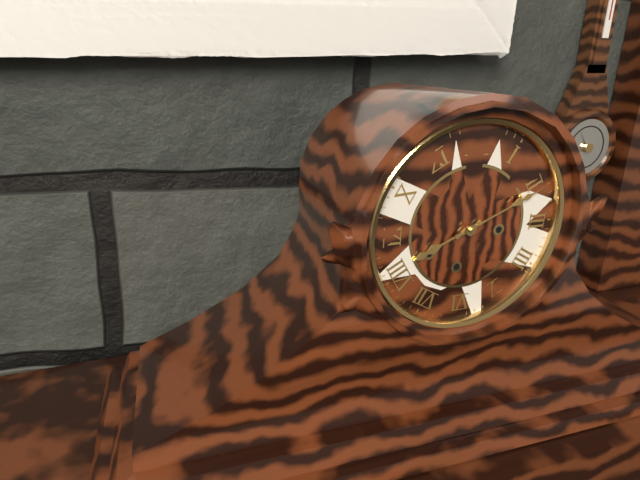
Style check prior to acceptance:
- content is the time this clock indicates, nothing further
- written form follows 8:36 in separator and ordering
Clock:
8:11
